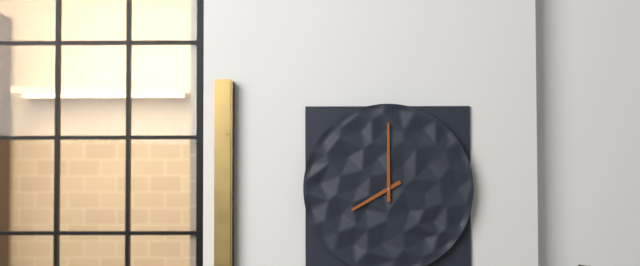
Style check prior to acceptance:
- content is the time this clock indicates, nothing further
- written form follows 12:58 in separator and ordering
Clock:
8:00
